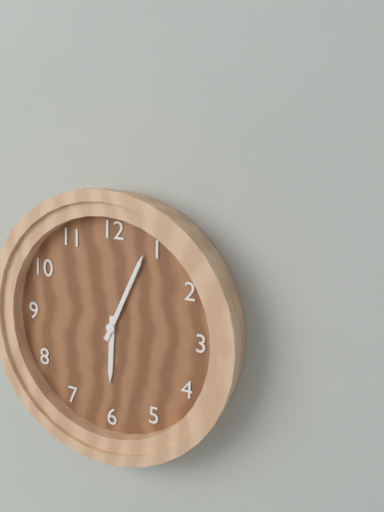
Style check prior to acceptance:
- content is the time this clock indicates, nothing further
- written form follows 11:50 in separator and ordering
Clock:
6:04
